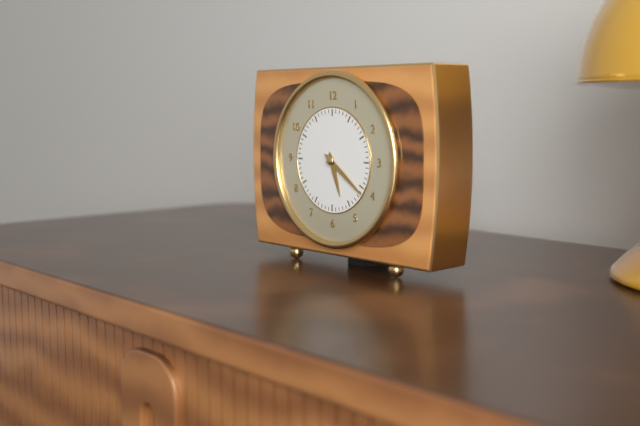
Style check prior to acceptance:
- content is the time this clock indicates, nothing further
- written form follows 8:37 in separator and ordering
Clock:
5:21
